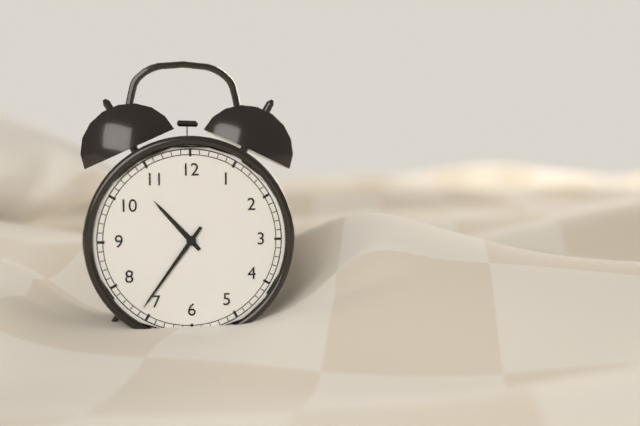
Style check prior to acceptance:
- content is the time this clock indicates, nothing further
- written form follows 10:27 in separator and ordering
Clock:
10:36
